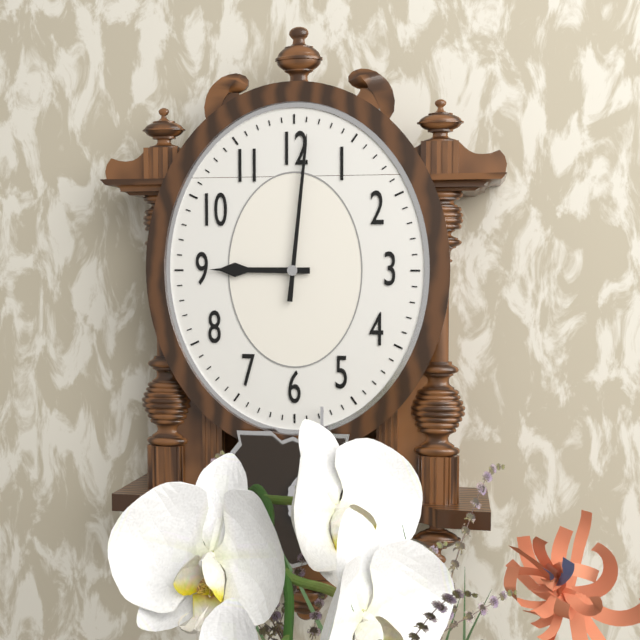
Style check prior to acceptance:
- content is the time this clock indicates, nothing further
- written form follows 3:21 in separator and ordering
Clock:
9:01
